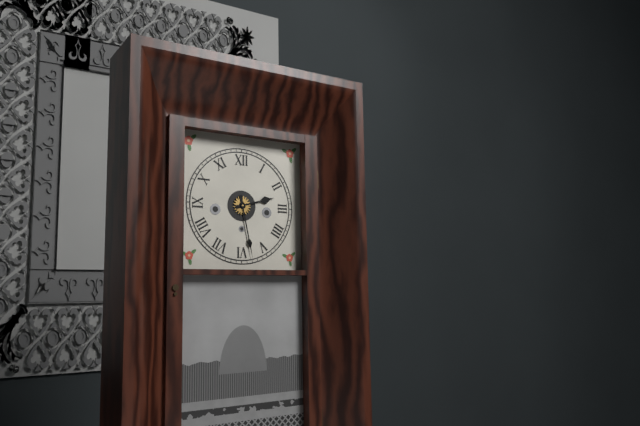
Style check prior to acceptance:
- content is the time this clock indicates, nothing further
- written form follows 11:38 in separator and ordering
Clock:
2:28
